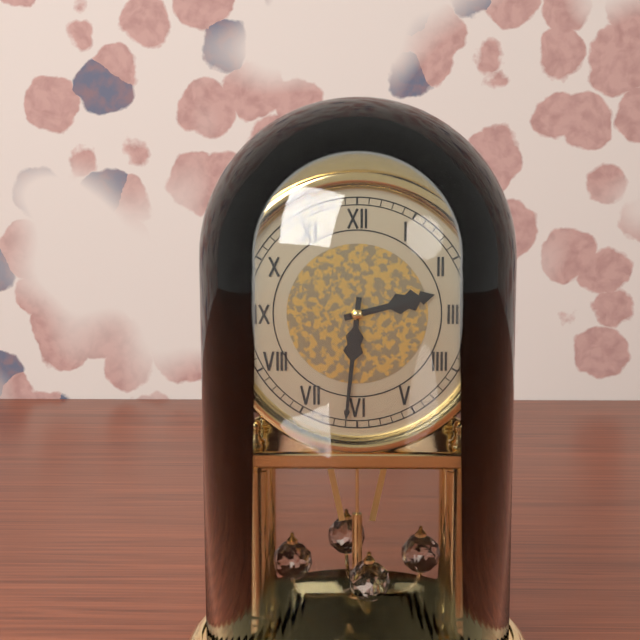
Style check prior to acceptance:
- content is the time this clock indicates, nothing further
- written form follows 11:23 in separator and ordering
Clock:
2:31
